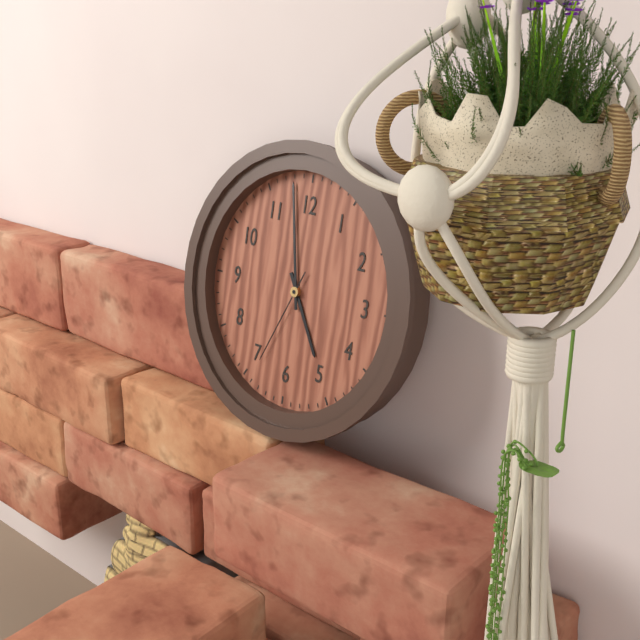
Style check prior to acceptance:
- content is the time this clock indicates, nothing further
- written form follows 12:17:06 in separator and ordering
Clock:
4:58:34
